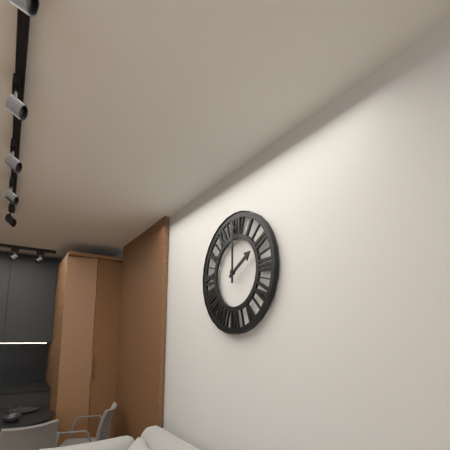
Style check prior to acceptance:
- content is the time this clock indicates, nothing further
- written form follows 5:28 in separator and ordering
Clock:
2:00
